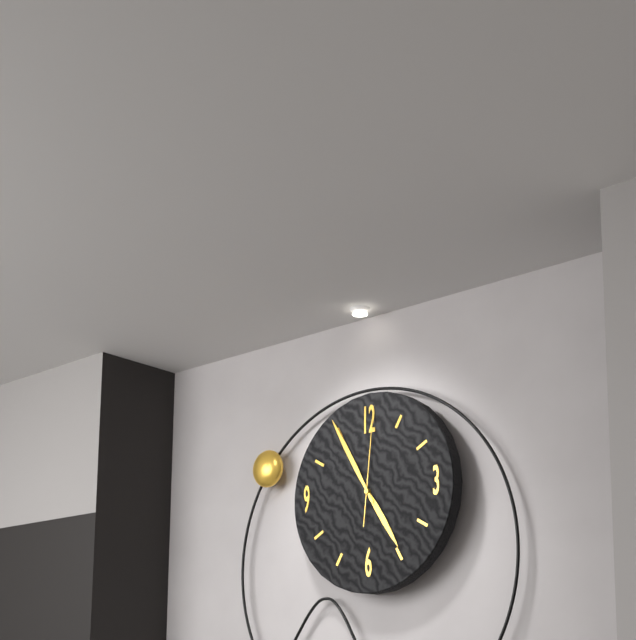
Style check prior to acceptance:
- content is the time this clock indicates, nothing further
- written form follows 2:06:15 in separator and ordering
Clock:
4:55:01
